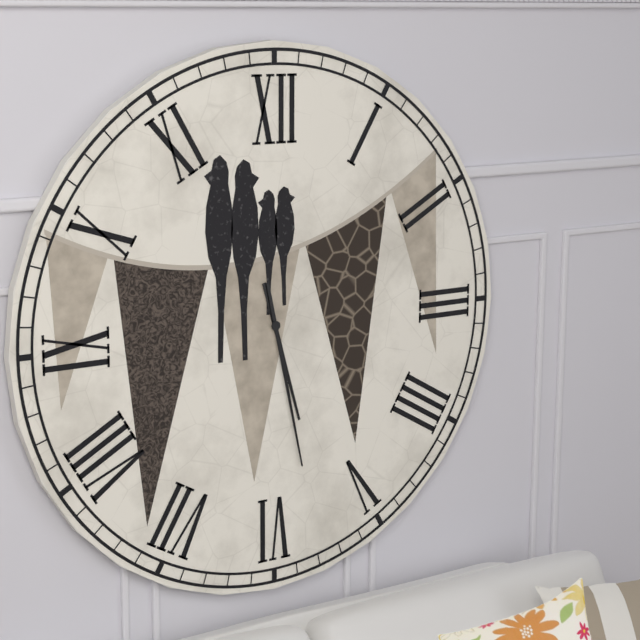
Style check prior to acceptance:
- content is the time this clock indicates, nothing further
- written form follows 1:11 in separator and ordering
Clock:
5:28
